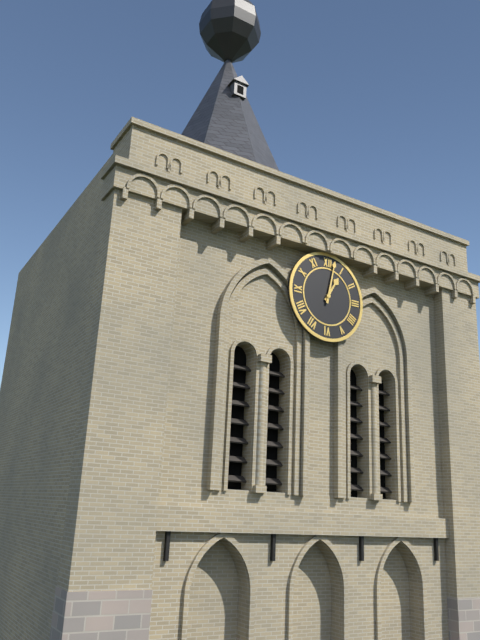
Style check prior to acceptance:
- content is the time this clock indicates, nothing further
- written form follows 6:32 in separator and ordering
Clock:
1:02
